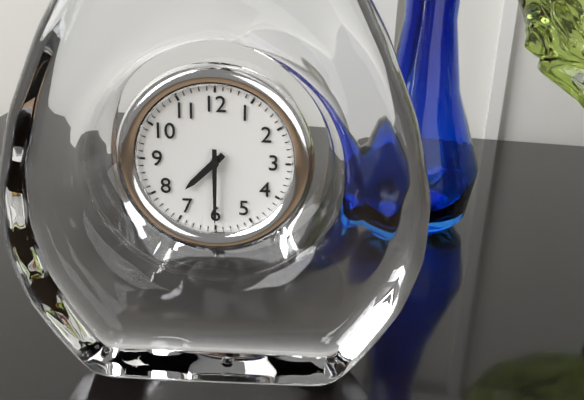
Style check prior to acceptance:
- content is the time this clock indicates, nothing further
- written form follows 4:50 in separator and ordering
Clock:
7:30
